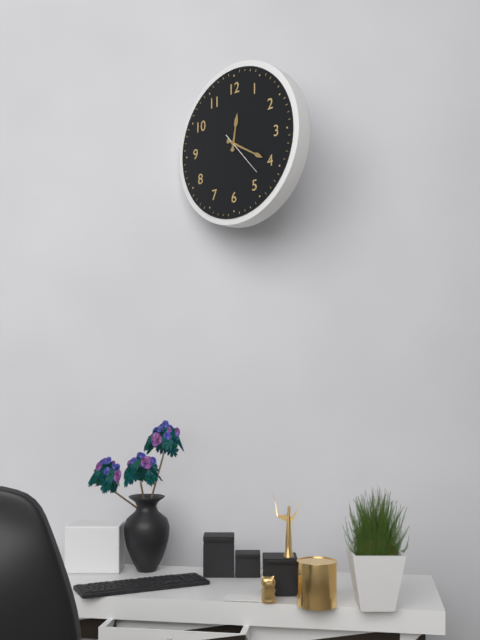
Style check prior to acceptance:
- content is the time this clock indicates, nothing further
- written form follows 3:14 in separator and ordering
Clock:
12:20
